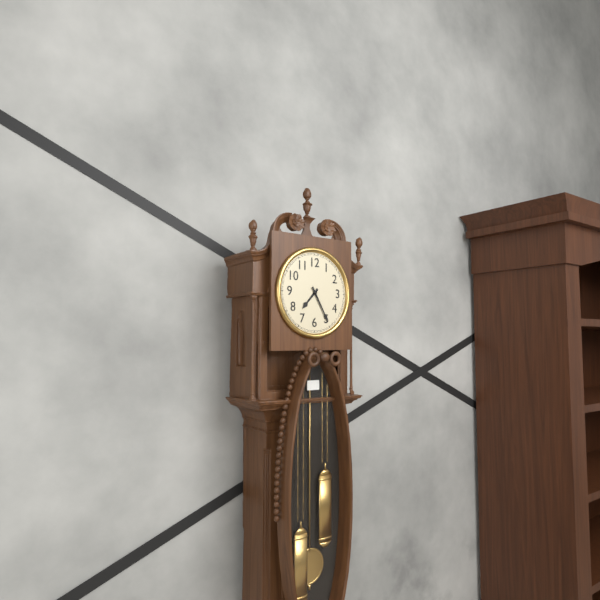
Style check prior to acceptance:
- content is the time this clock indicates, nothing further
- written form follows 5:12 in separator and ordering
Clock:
7:25
